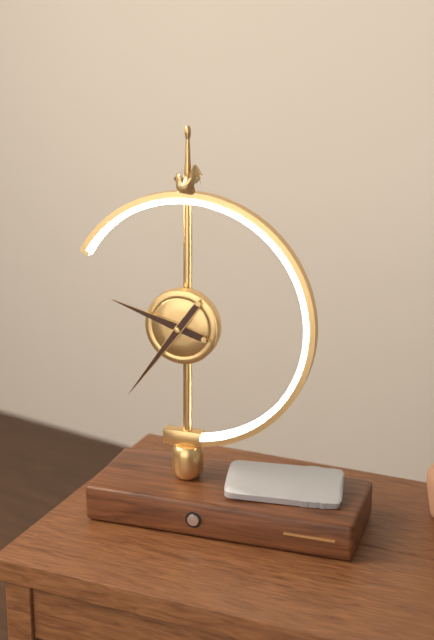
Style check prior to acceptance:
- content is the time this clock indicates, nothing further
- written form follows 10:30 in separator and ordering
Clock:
9:36
